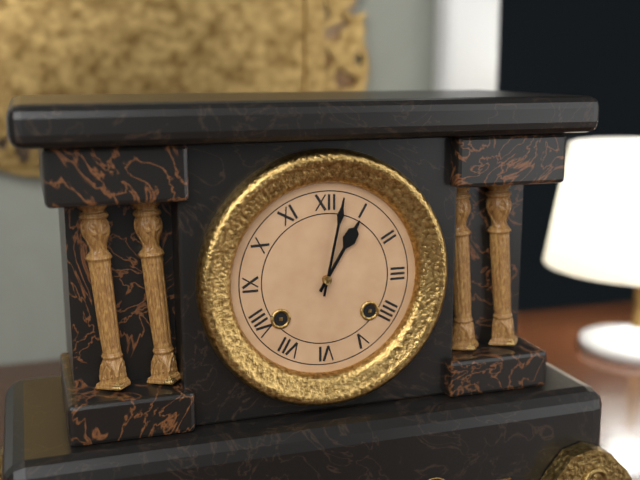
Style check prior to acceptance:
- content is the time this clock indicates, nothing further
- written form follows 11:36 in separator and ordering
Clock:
1:02
